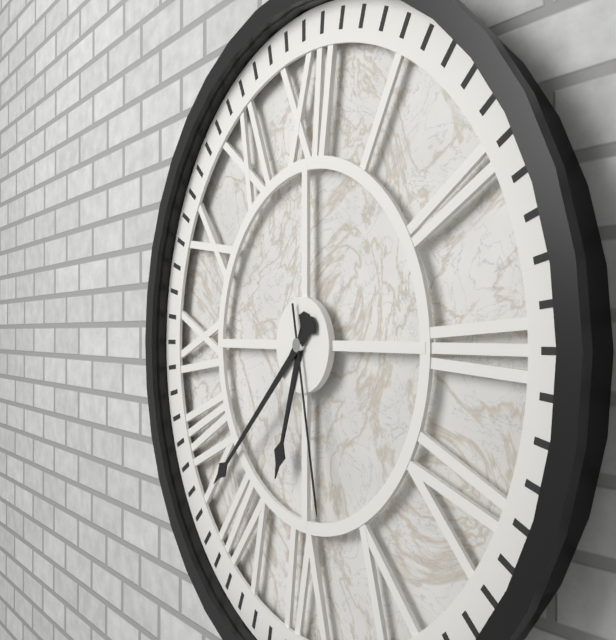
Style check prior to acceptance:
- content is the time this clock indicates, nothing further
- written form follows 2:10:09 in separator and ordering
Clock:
6:38:28
